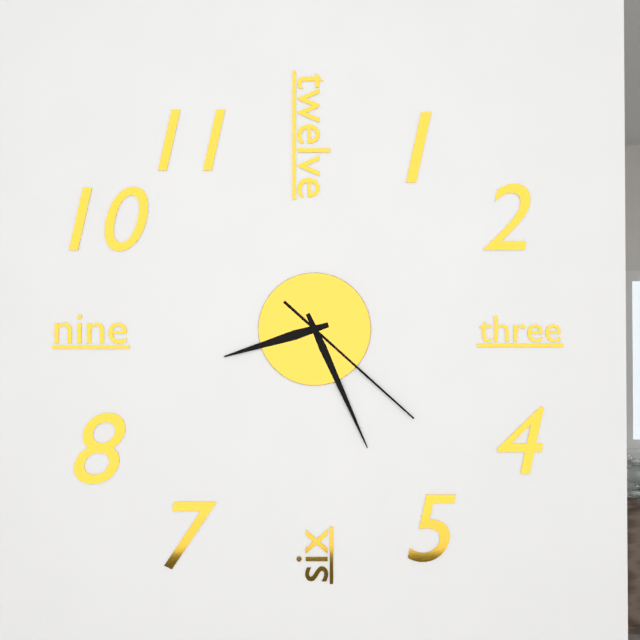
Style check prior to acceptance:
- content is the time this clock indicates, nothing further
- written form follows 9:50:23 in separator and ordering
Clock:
8:26:22
